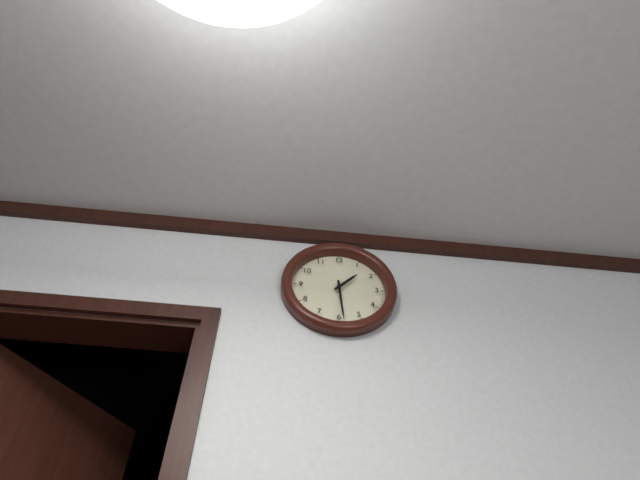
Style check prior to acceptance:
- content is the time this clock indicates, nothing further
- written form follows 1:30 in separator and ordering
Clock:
1:29
